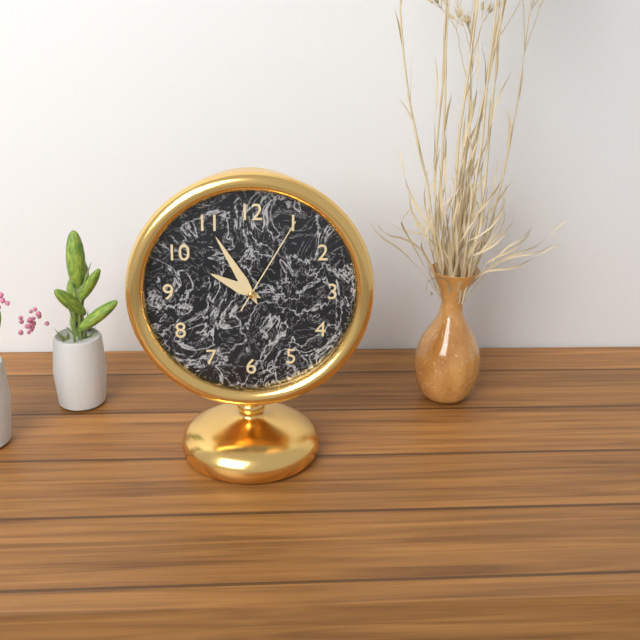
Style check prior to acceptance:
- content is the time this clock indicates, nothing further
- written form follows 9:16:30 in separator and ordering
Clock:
9:55:05
